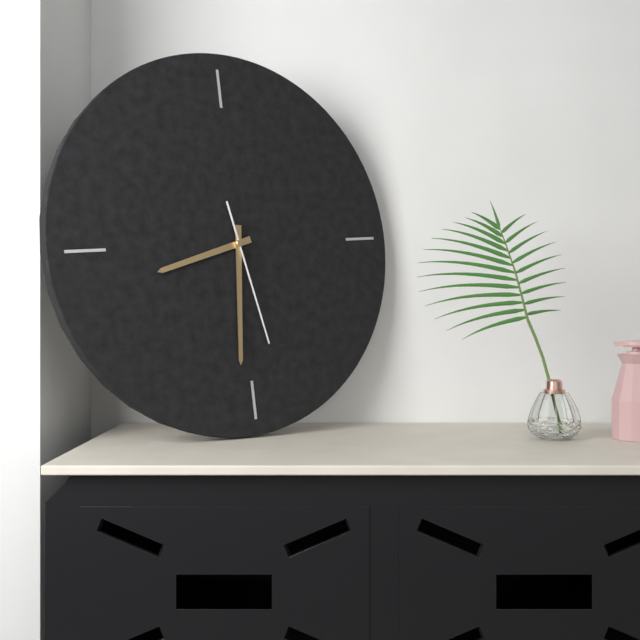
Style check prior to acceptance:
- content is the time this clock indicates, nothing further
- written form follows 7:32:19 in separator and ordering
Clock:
8:31:28
